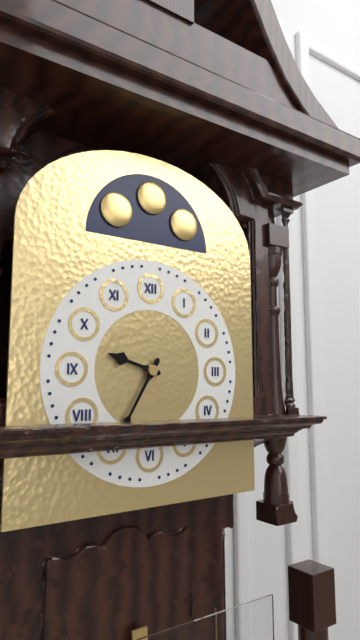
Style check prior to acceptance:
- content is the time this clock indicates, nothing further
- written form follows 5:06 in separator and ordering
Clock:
9:35
